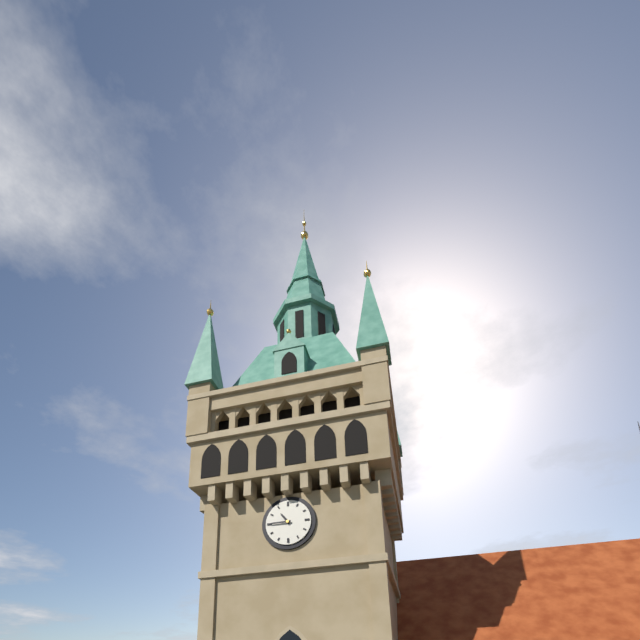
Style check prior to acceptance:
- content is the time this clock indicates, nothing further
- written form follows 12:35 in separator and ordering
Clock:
10:45
